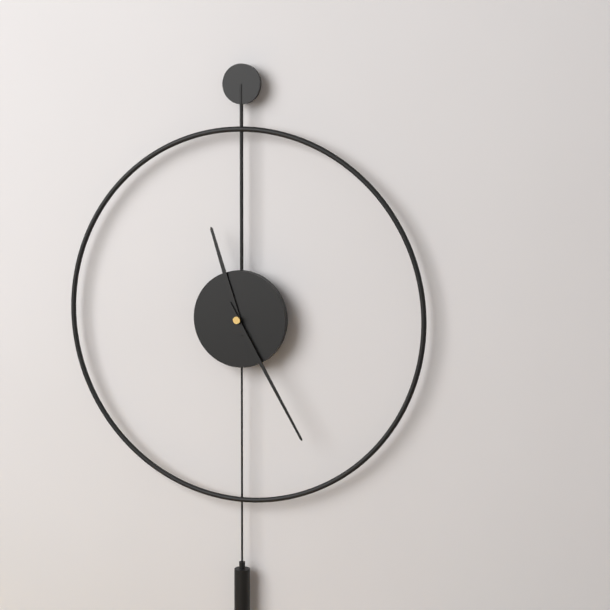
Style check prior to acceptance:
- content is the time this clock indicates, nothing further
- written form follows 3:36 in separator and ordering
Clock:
11:25
